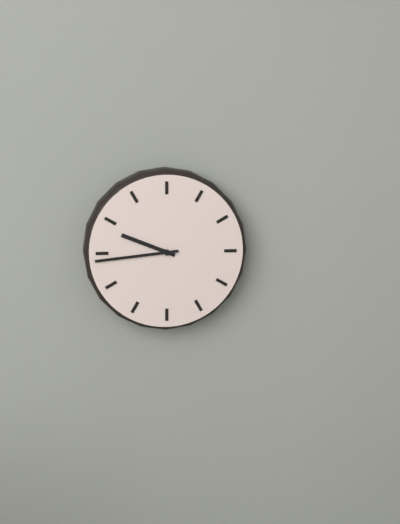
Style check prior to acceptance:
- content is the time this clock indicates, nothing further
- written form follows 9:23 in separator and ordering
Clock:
9:44
